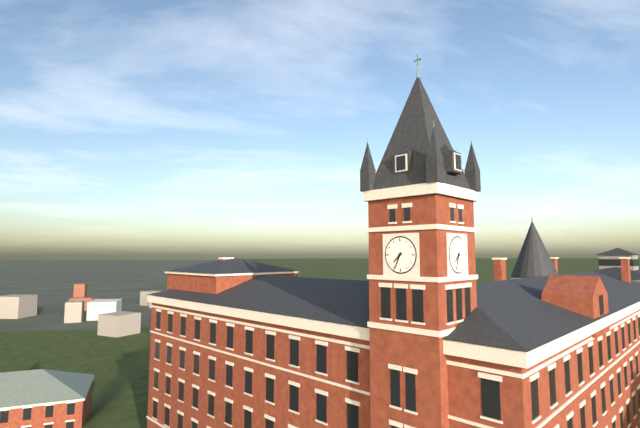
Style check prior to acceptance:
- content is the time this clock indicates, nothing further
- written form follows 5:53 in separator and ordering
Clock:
7:34
